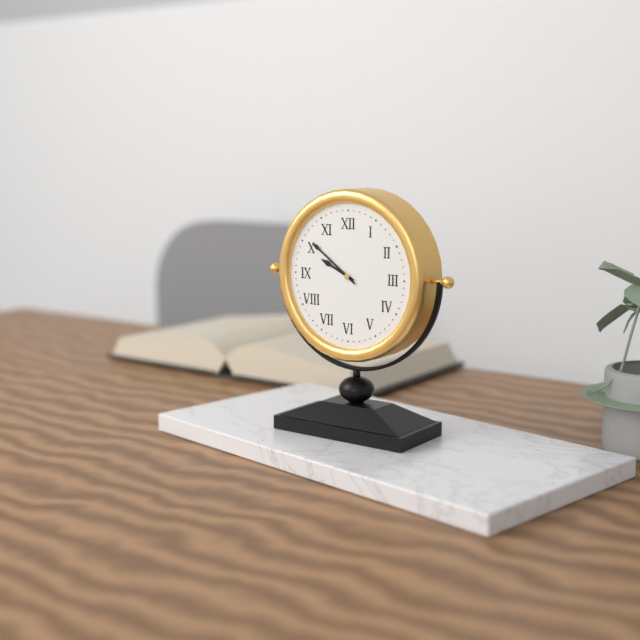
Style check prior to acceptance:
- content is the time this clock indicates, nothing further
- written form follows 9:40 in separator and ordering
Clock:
9:51
